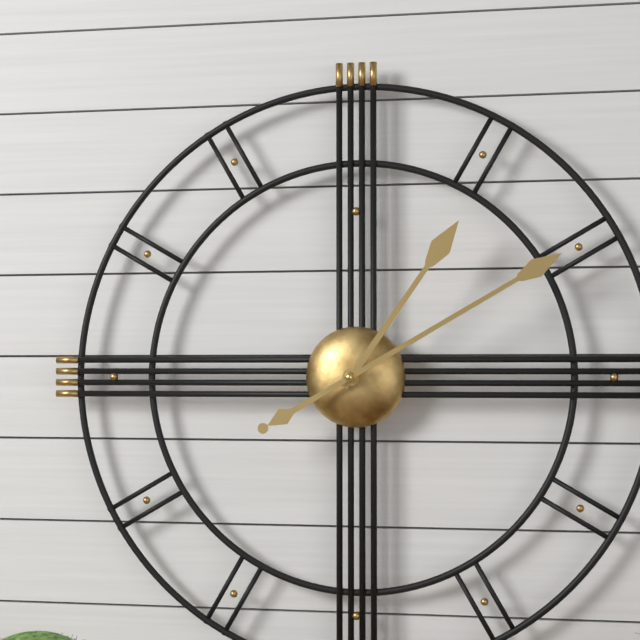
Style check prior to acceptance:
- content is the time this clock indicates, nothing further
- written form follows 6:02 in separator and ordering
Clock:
1:10
